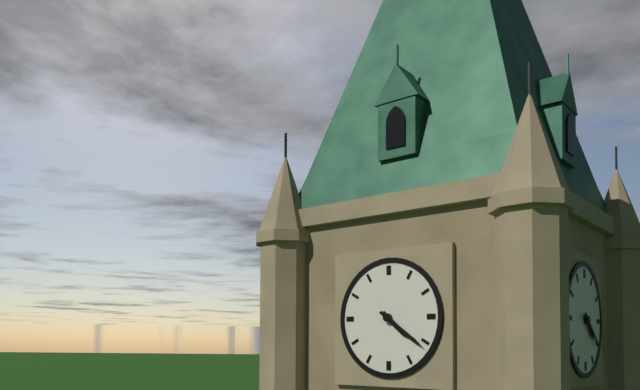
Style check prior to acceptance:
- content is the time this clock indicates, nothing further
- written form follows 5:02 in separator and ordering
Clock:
4:21
